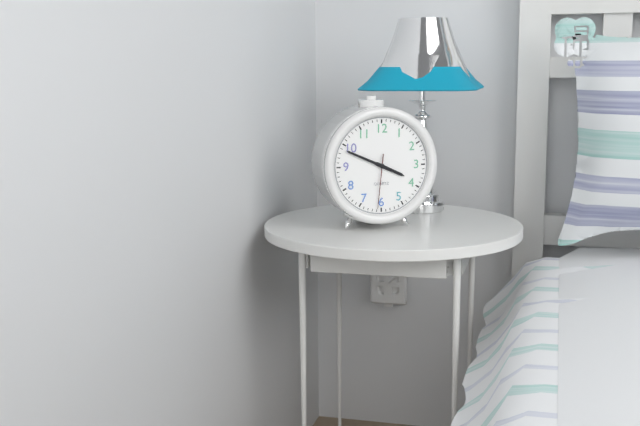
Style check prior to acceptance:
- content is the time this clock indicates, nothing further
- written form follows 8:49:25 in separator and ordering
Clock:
3:49:31
